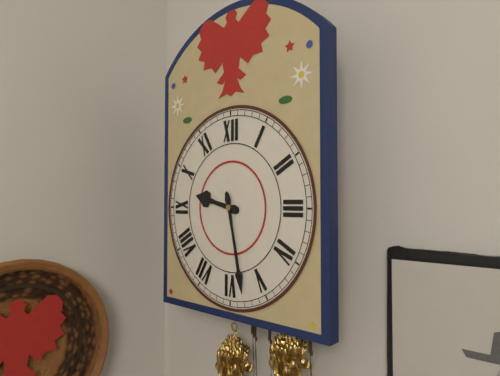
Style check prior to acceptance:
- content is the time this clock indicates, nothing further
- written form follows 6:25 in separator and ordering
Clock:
9:28
